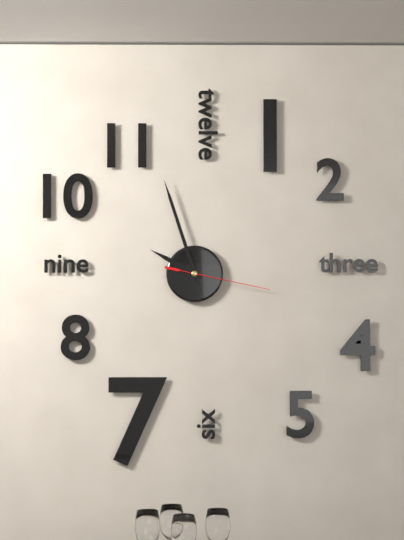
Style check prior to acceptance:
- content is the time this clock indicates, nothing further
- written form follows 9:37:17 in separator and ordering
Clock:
9:57:17
